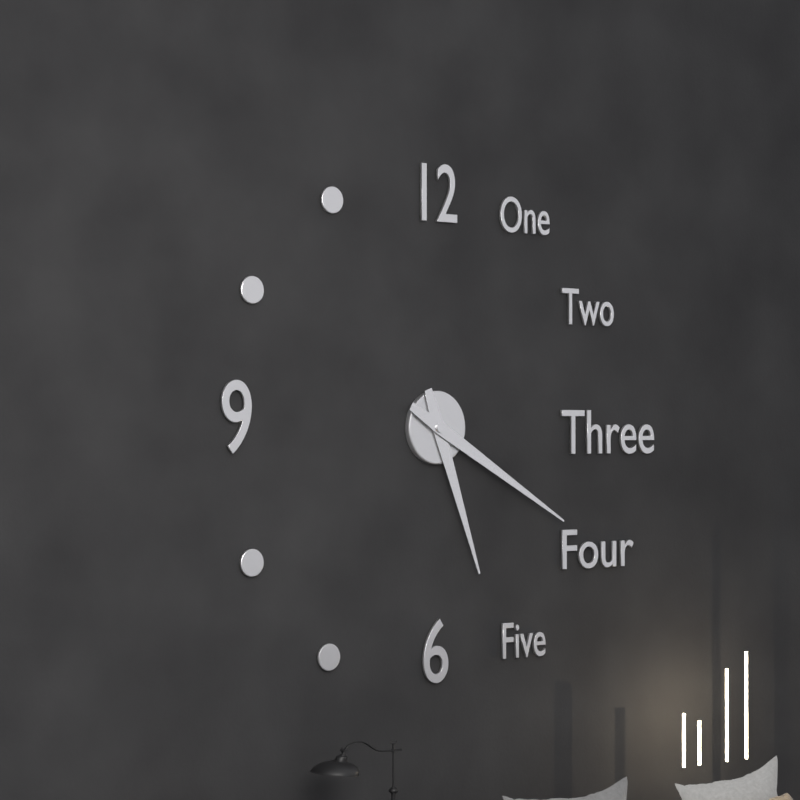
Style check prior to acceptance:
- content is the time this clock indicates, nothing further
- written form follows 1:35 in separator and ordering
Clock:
5:20
